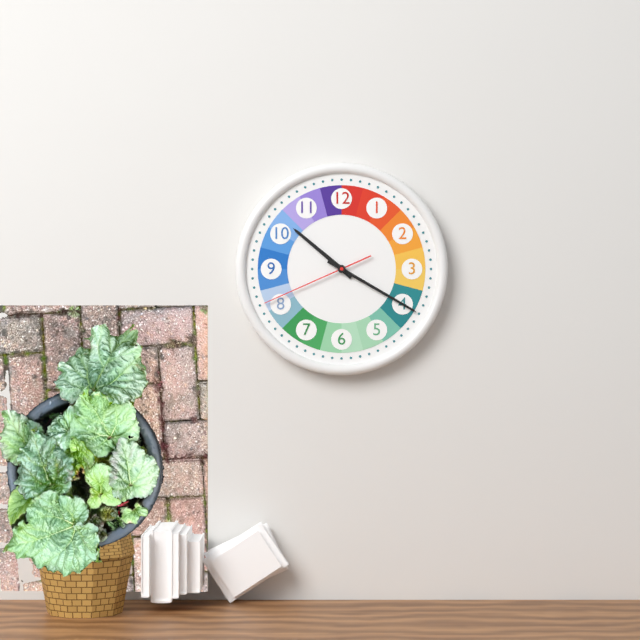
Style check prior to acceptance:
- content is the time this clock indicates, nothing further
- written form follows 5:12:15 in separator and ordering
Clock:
10:20:41
